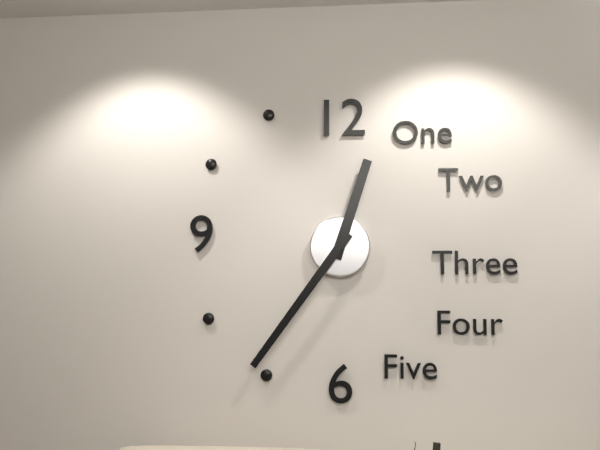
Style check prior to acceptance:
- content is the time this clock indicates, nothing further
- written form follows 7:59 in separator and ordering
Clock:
12:36
